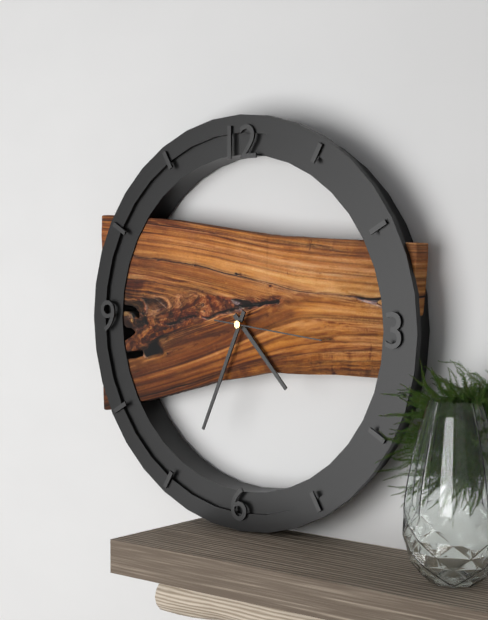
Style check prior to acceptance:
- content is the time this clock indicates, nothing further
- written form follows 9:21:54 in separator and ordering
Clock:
4:34:16
